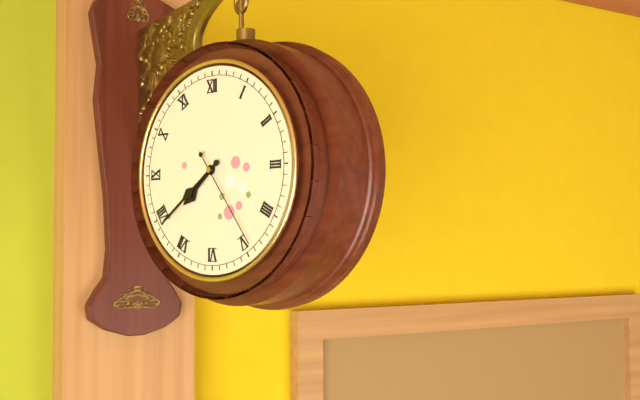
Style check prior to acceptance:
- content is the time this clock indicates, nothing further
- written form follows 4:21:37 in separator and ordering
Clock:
7:39:24
